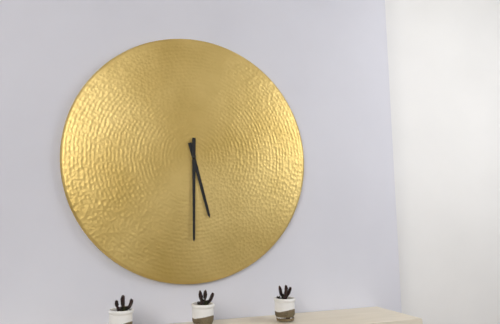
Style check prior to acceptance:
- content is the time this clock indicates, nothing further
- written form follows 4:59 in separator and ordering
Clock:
5:30
